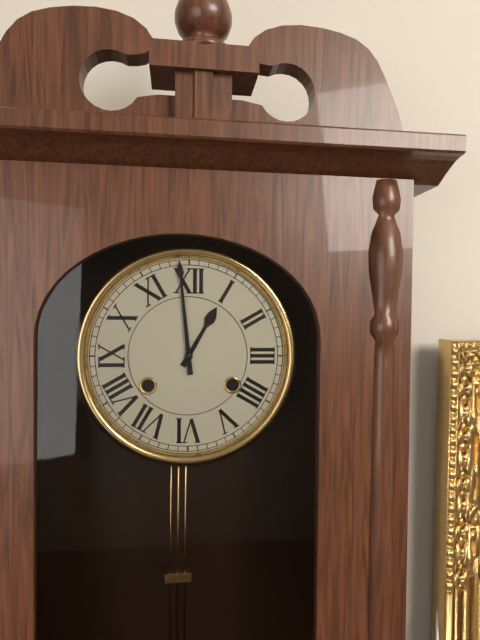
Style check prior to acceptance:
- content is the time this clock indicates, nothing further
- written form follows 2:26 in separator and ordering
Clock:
12:59
